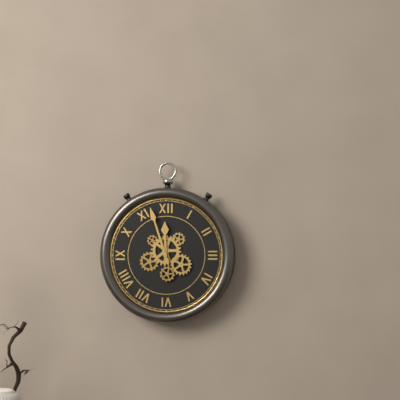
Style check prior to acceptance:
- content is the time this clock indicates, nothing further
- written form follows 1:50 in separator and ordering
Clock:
11:57
